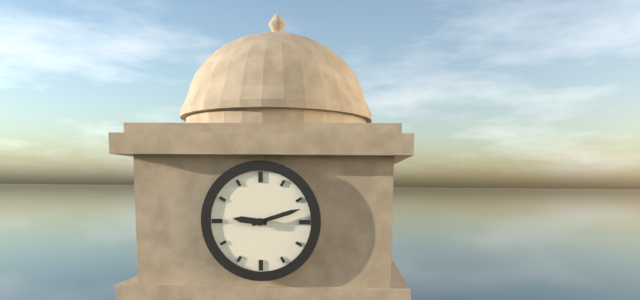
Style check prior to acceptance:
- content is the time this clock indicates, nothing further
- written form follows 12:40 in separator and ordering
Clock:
9:12
